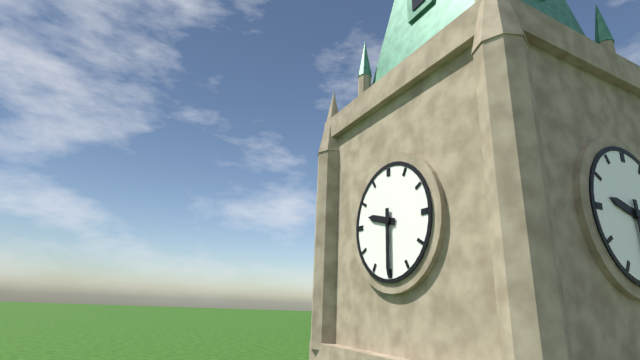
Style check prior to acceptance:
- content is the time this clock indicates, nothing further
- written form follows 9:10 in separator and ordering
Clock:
9:30
